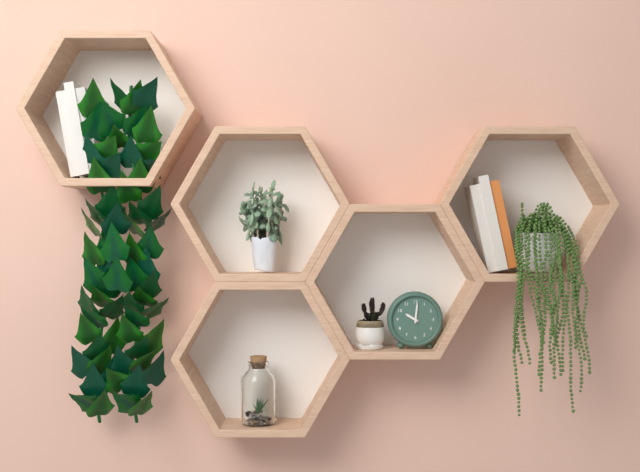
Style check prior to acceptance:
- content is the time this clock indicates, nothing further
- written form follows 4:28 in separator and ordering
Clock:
10:01
